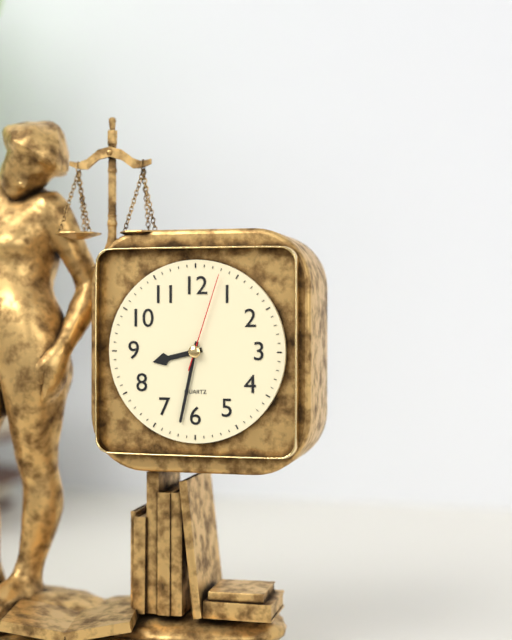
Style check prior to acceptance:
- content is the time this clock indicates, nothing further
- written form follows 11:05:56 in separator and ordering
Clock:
8:32:03
